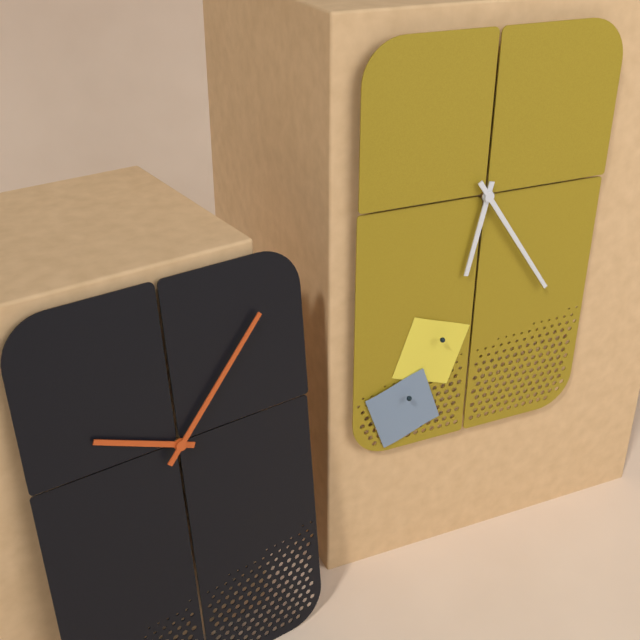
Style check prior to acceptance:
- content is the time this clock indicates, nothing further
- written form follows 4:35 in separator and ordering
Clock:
6:24
